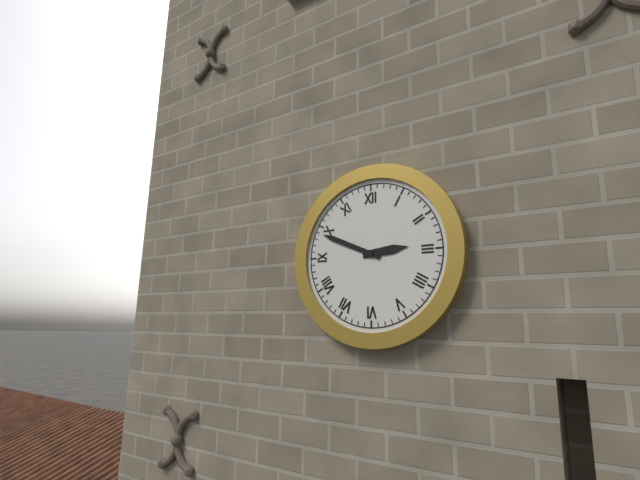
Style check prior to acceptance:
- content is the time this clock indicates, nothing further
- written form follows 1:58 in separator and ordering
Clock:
2:49
